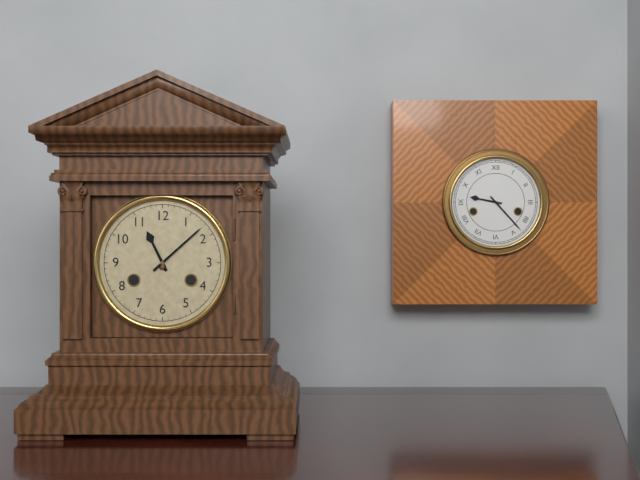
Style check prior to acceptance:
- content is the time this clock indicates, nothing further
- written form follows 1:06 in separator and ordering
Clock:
11:08
